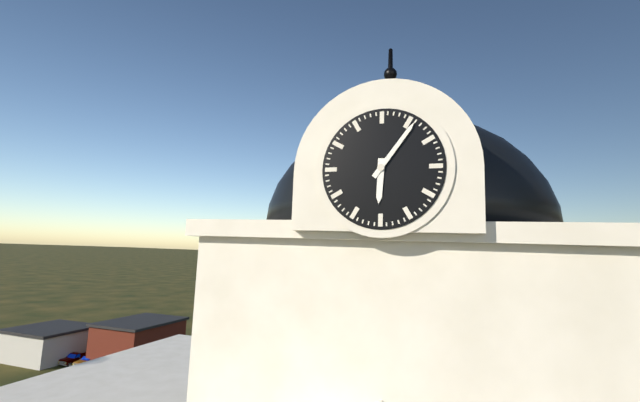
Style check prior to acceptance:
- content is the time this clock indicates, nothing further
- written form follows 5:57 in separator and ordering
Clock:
6:06
